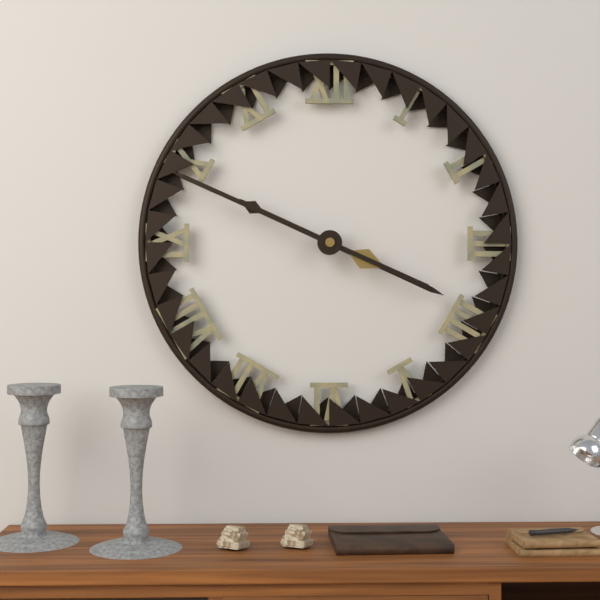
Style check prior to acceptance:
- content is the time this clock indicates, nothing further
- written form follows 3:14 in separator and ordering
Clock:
3:49
